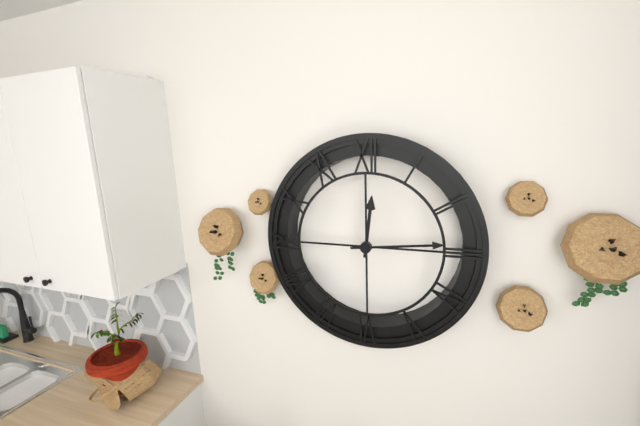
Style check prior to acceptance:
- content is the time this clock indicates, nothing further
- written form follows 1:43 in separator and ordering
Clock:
12:14
